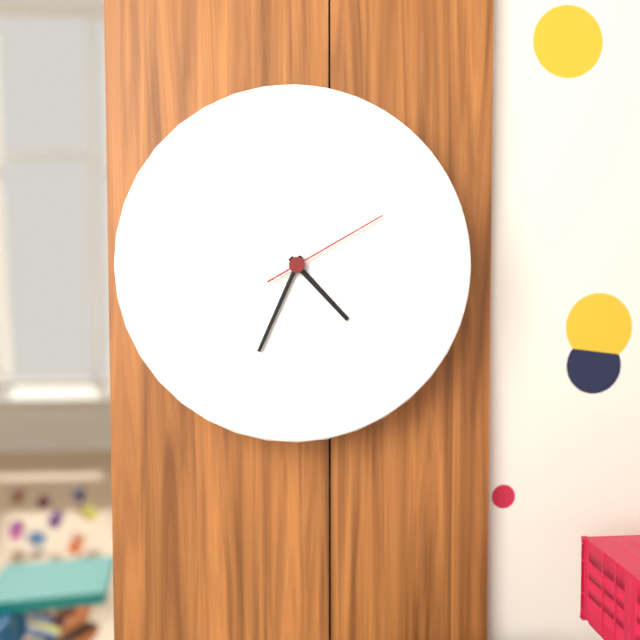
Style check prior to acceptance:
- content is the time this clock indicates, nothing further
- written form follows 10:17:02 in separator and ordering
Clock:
4:34:10
